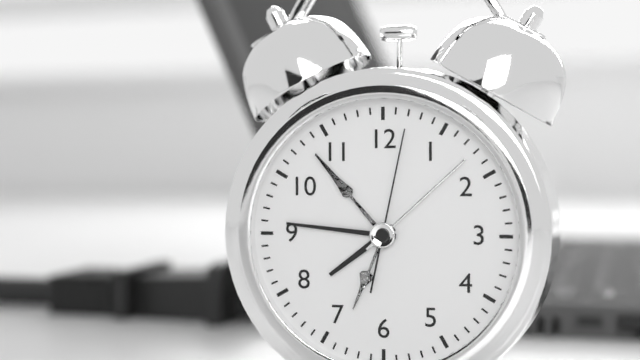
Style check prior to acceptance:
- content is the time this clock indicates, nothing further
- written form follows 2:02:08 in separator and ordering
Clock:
7:46:02
